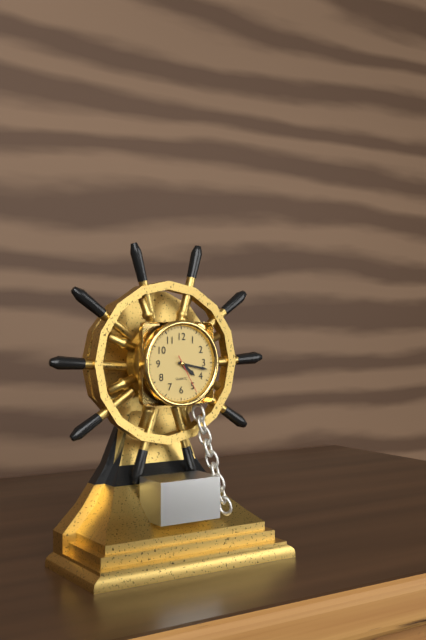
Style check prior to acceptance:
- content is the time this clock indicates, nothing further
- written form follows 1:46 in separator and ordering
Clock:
4:17
